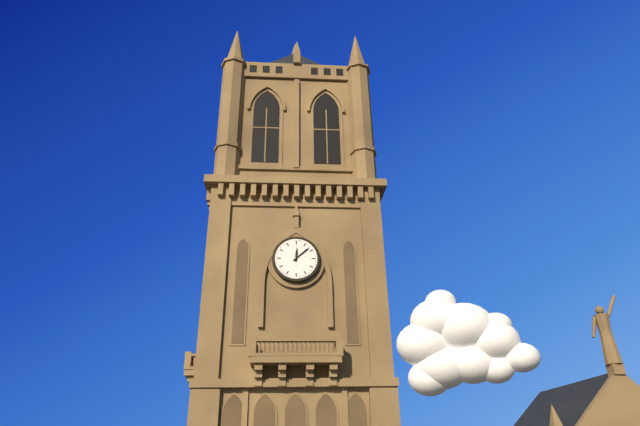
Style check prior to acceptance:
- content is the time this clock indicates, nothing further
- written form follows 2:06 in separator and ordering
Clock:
12:08
